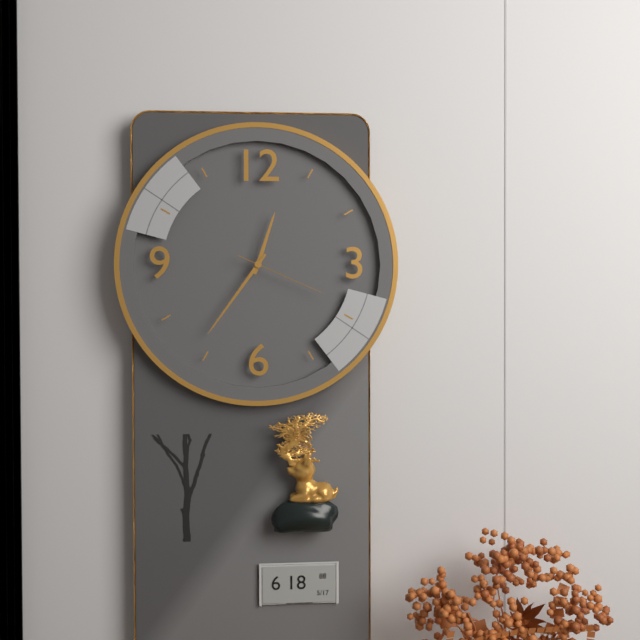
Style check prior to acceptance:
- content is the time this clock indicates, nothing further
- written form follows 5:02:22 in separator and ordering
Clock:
12:36:19
